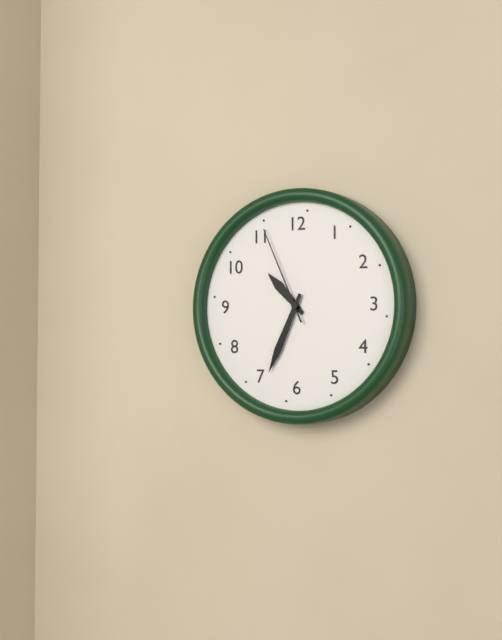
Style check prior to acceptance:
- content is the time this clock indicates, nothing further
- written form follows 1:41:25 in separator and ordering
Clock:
10:34:56
